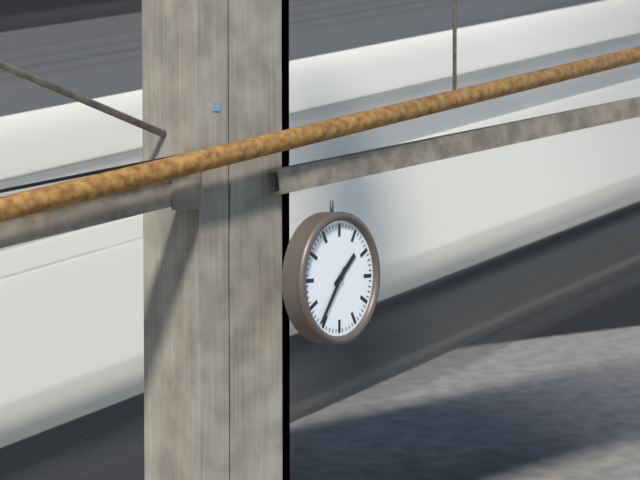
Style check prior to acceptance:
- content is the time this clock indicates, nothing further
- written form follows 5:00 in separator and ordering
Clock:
1:36
